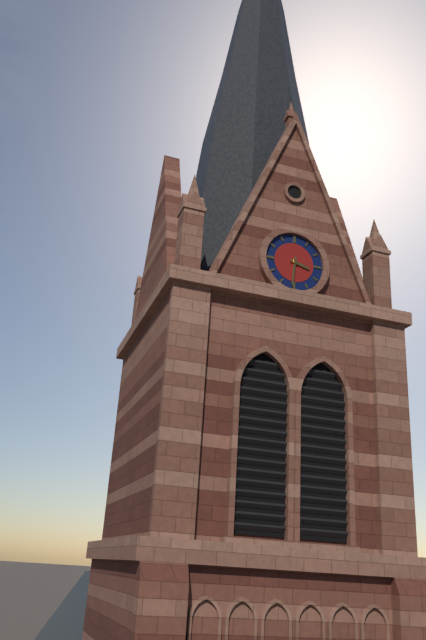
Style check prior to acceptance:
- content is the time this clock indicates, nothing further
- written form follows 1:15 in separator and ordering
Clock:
3:31
